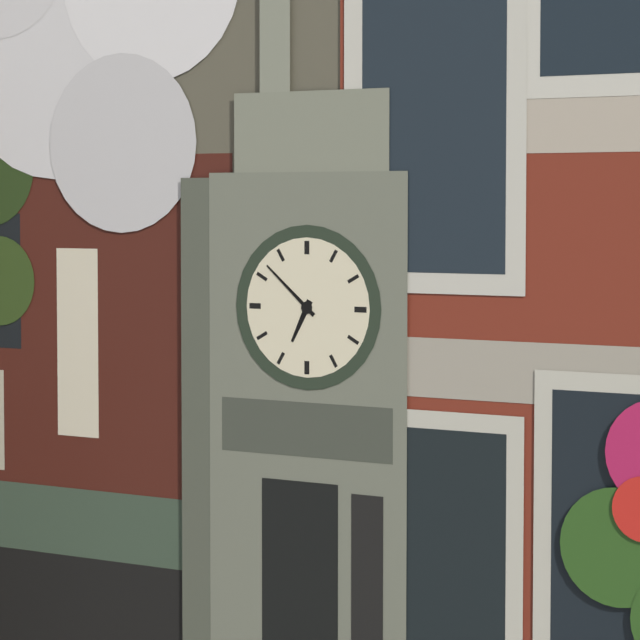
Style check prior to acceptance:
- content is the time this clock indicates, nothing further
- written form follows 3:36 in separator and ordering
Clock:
6:52
